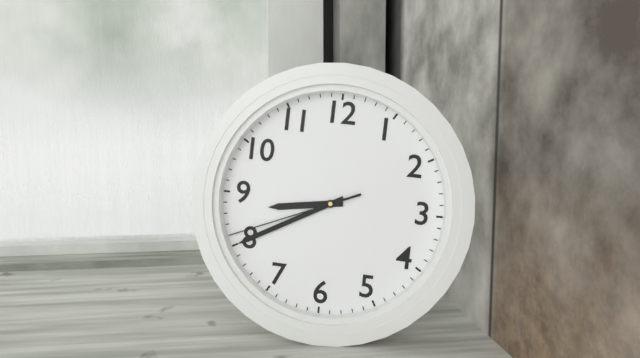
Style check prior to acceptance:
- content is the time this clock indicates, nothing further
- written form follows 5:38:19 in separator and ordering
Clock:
8:40:41
